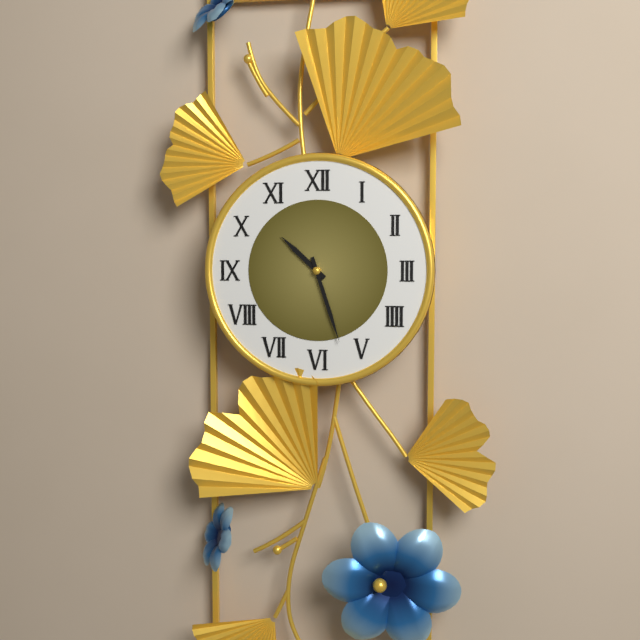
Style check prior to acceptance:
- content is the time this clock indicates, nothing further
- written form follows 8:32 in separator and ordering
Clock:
10:27
